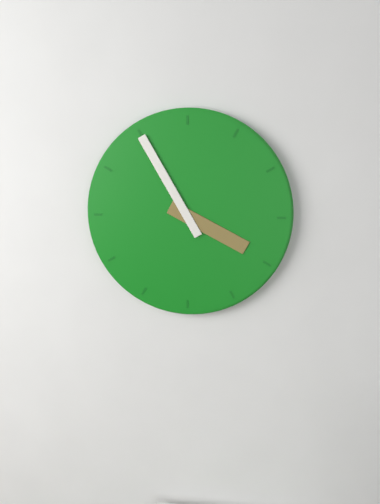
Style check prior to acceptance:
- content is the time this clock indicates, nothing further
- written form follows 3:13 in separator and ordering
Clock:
3:55
